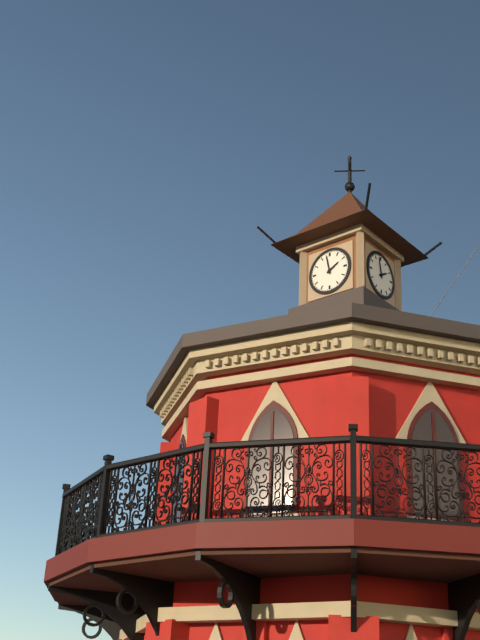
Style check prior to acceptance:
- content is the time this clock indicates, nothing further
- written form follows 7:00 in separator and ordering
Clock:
1:58
